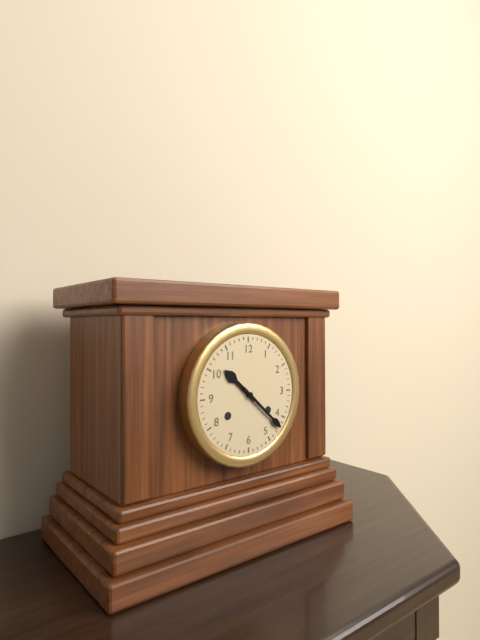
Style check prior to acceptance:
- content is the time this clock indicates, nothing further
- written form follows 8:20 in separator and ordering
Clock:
10:22
